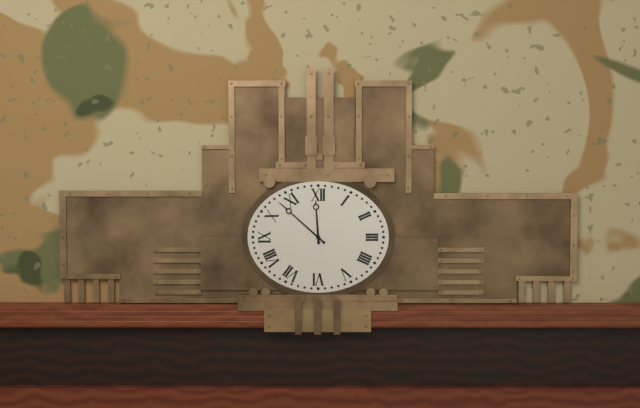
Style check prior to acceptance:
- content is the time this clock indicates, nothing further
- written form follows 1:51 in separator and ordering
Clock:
11:52
